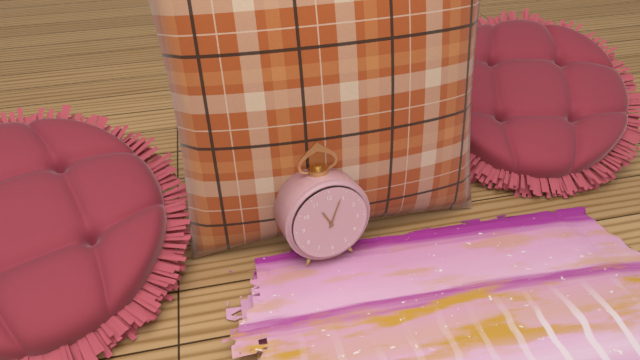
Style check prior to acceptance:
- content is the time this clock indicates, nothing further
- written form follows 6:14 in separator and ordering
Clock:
11:04
